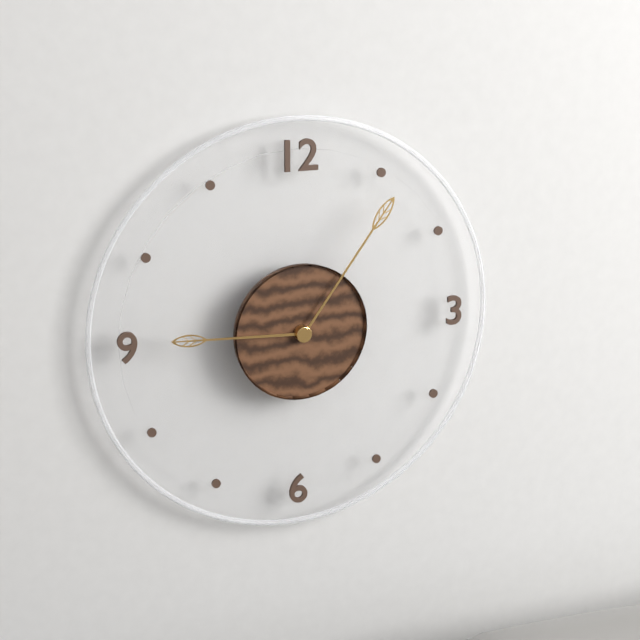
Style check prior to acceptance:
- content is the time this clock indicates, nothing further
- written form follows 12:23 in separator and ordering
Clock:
9:06
